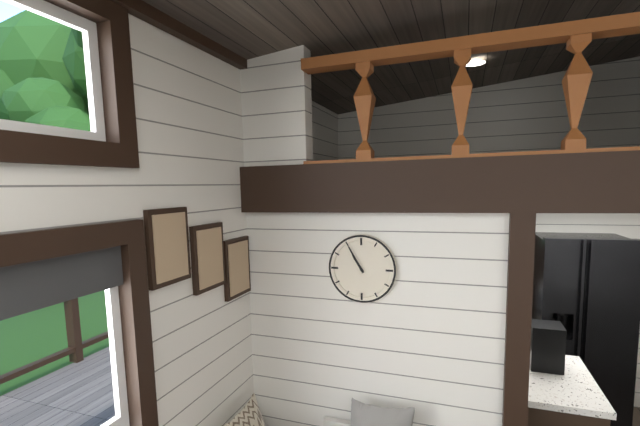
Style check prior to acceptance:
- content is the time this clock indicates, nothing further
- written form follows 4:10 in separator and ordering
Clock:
10:55
